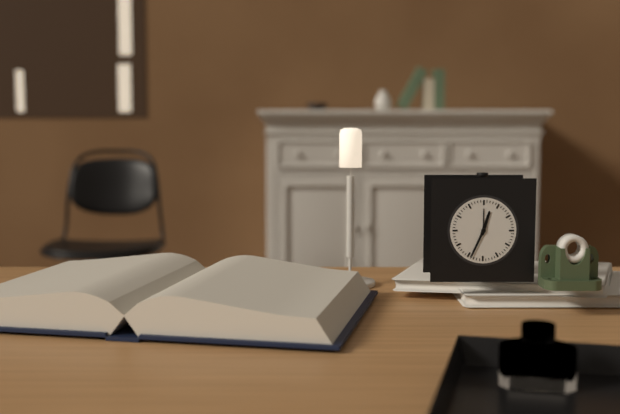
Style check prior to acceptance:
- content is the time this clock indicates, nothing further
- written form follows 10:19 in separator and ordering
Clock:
12:34
